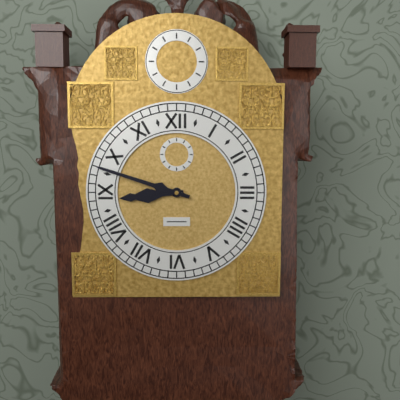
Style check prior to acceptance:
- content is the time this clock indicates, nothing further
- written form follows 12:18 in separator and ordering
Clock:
8:48
